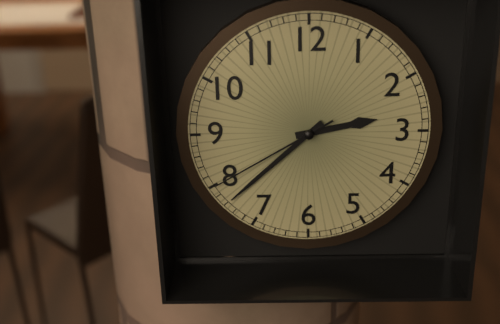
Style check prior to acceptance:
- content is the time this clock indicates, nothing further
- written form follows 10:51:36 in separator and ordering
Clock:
2:38:40
